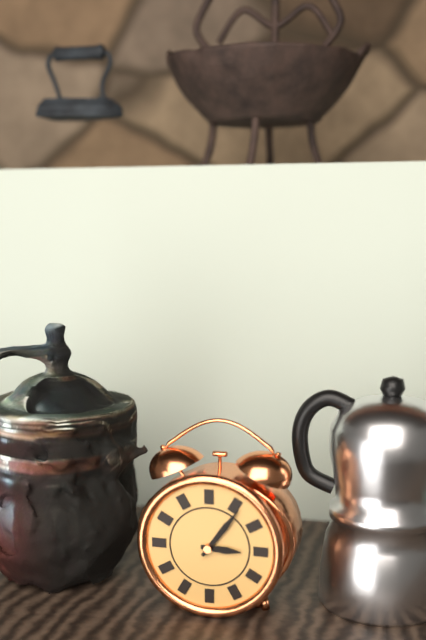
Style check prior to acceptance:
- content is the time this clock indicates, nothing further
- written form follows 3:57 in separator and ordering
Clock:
3:06
